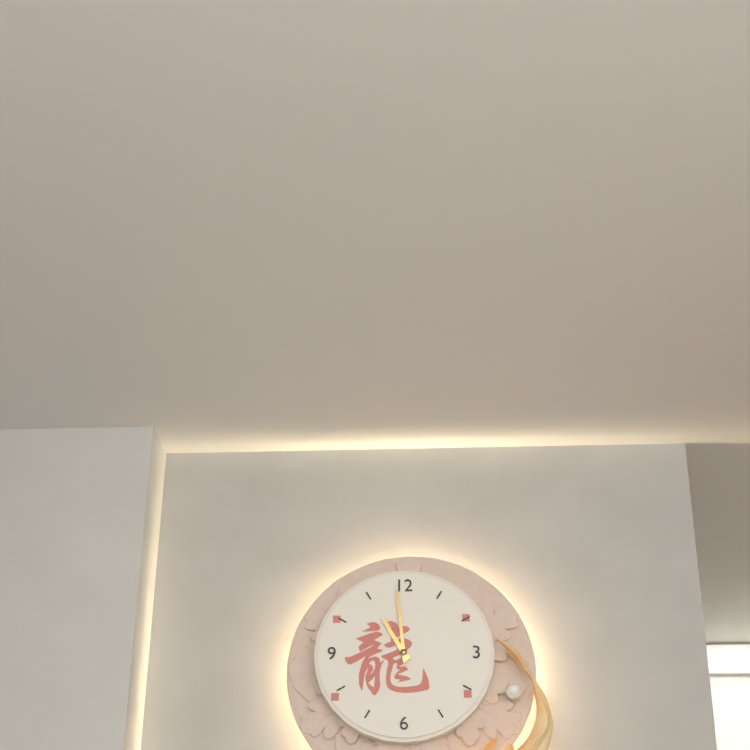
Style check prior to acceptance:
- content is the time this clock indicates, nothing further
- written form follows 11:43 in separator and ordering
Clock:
10:59
